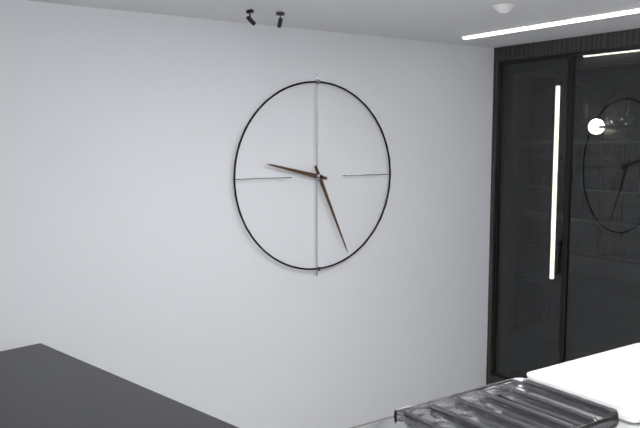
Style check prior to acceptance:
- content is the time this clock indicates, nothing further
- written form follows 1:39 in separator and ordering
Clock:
9:26
